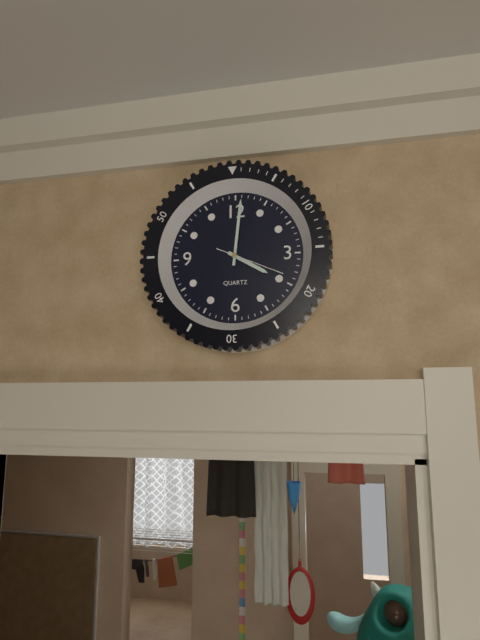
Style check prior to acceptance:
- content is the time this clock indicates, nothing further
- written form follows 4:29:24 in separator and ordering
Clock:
4:01:19
